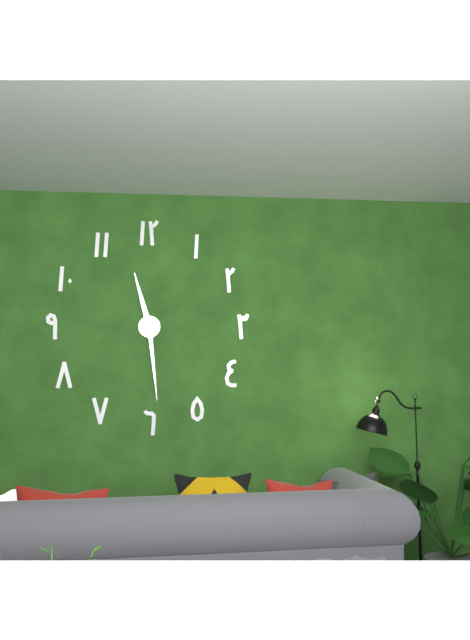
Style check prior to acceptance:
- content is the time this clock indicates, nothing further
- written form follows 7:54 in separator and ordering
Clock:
11:29
